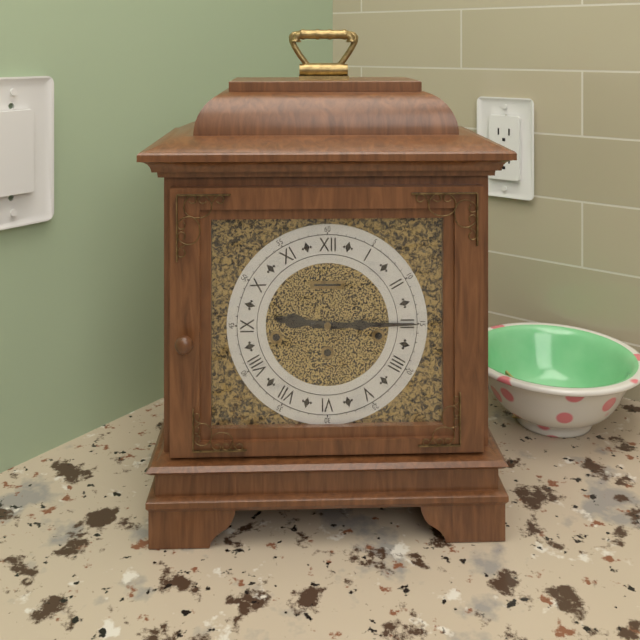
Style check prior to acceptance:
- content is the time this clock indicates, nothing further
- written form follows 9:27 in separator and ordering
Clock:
9:15
